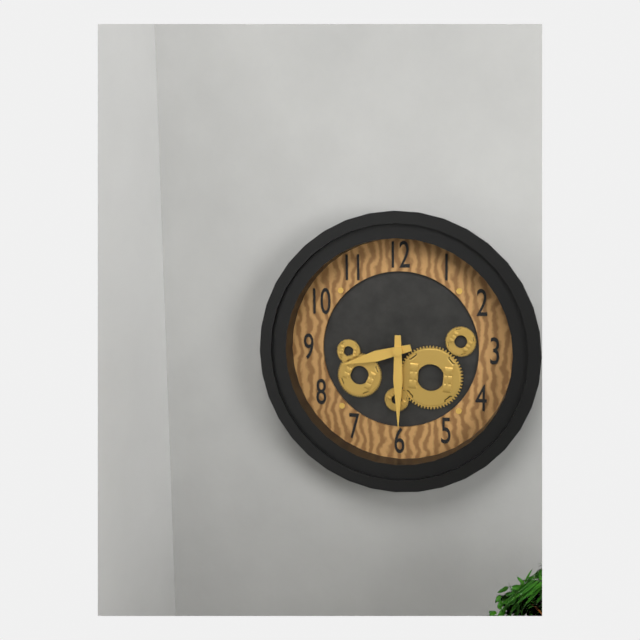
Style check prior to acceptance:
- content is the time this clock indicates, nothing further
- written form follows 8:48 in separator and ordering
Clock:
8:30
